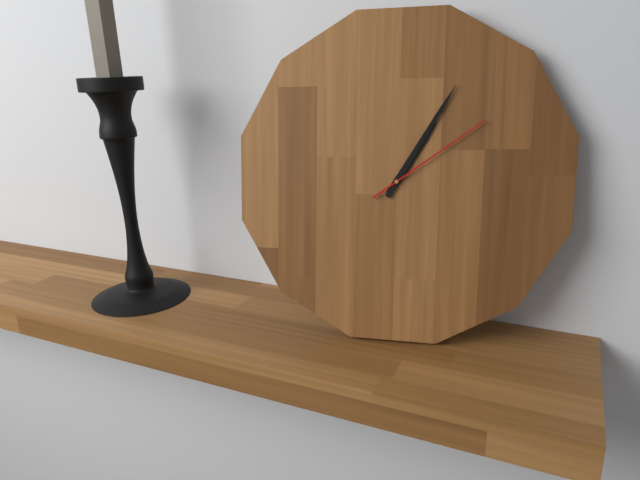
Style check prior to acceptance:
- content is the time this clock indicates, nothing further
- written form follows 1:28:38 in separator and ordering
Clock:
1:05:09
